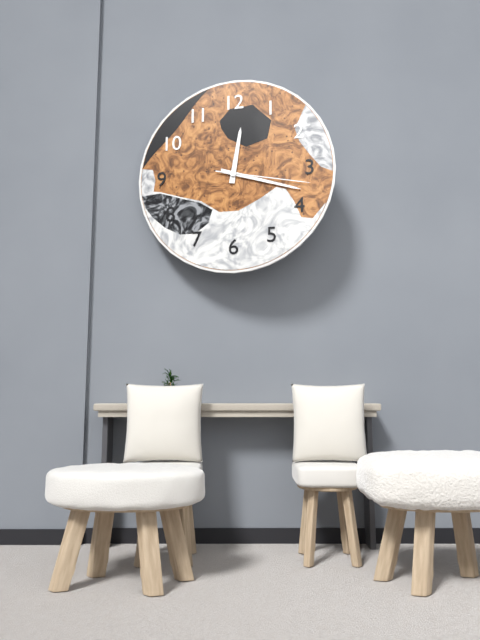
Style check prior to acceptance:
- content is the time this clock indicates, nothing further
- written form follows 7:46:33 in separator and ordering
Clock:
12:18:17
